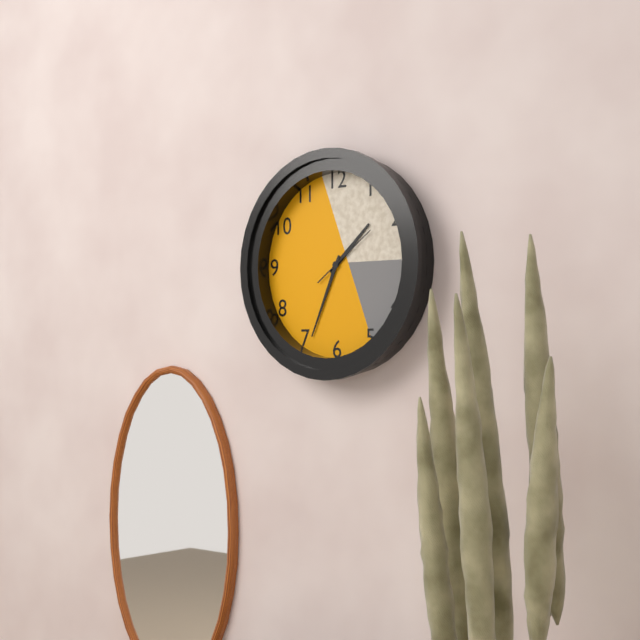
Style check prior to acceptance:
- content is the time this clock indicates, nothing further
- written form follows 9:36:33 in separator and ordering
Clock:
1:34:09
